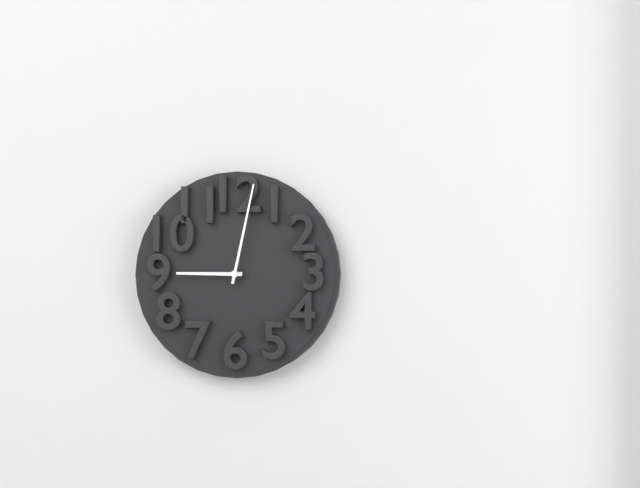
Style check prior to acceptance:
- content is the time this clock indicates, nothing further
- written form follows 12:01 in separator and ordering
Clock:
9:02
